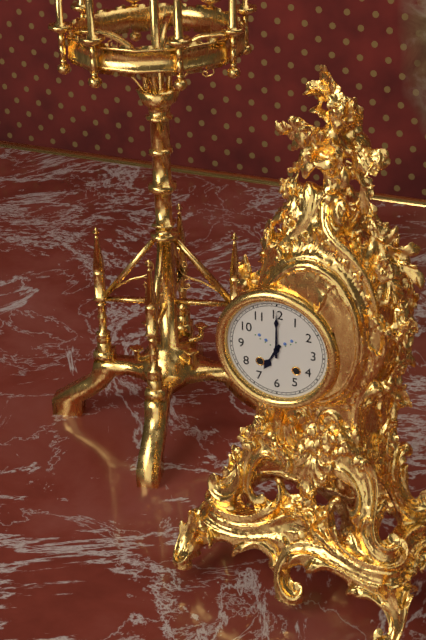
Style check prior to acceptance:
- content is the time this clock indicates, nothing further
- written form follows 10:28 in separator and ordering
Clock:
7:00
